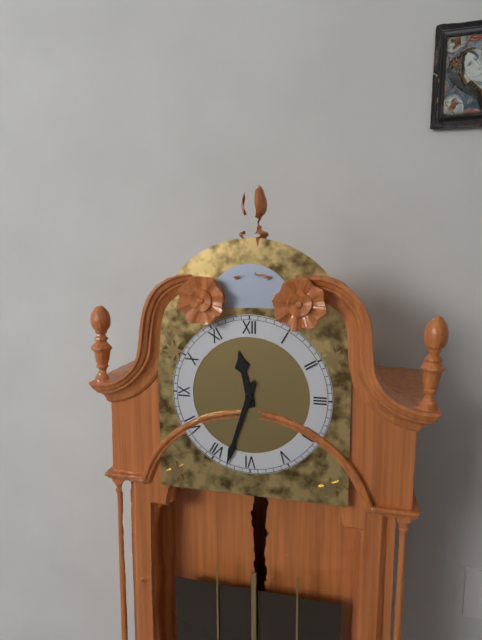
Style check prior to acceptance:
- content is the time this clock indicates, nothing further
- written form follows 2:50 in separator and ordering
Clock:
11:33
